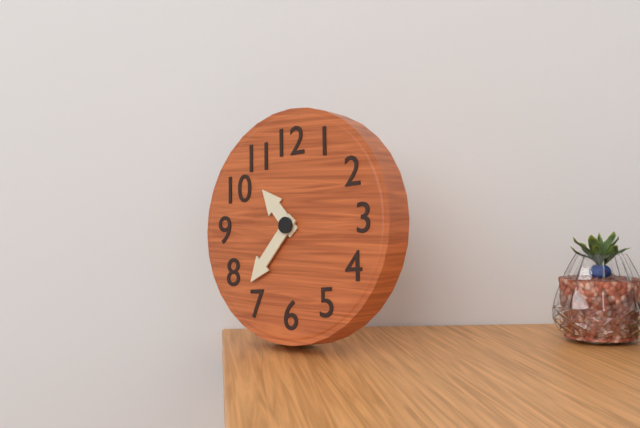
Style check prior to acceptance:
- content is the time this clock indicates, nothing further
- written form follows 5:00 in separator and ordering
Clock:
10:37
